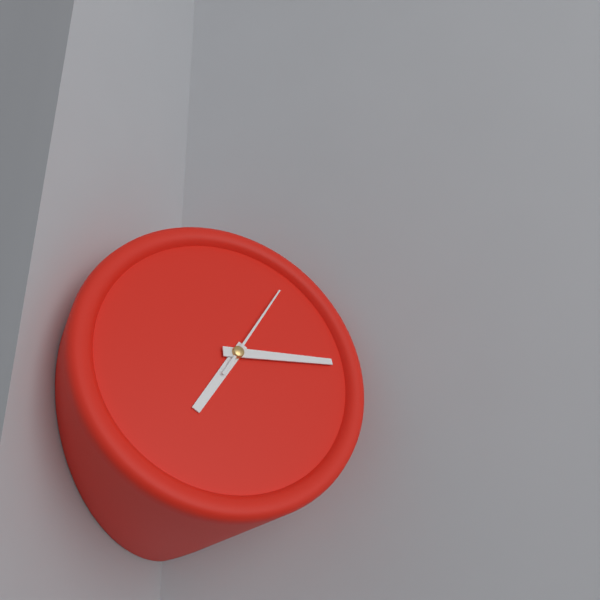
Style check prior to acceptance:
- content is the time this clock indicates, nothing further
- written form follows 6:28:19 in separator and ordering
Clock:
7:15:06
